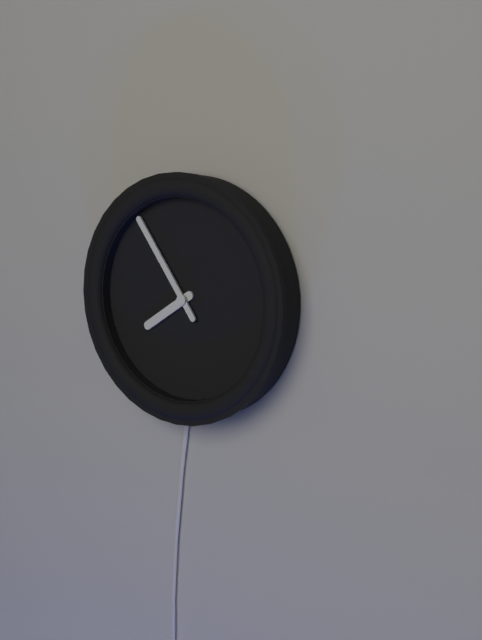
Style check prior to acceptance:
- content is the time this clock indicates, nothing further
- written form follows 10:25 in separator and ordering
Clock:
7:54
